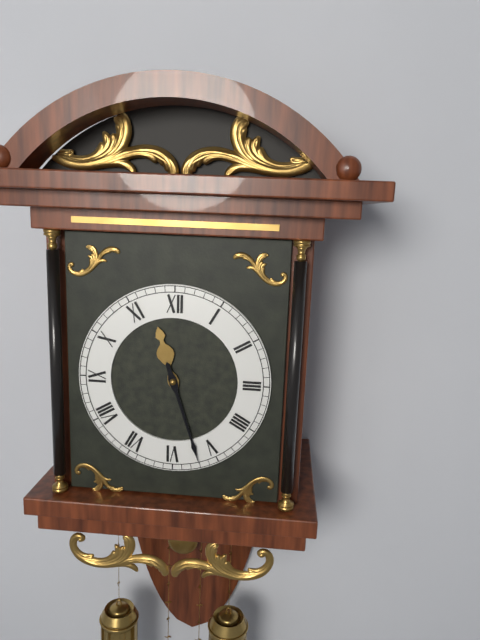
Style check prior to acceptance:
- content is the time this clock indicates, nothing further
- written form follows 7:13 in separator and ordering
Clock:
11:27
